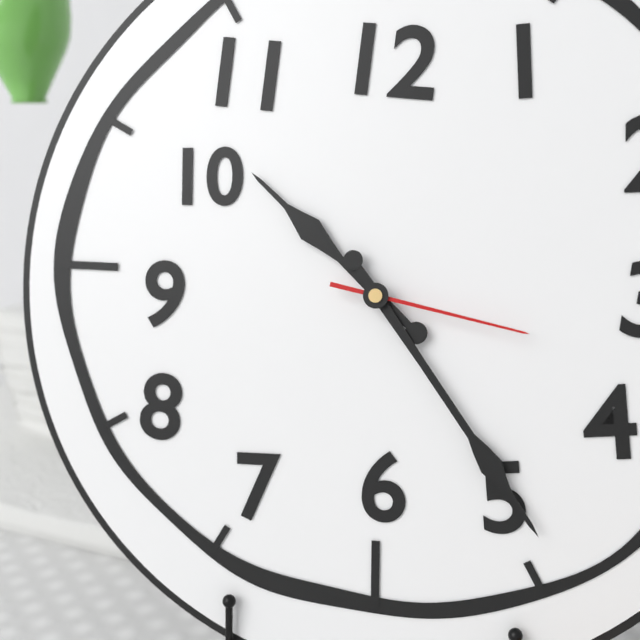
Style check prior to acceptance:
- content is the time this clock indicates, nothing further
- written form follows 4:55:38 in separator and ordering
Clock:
10:24:17
